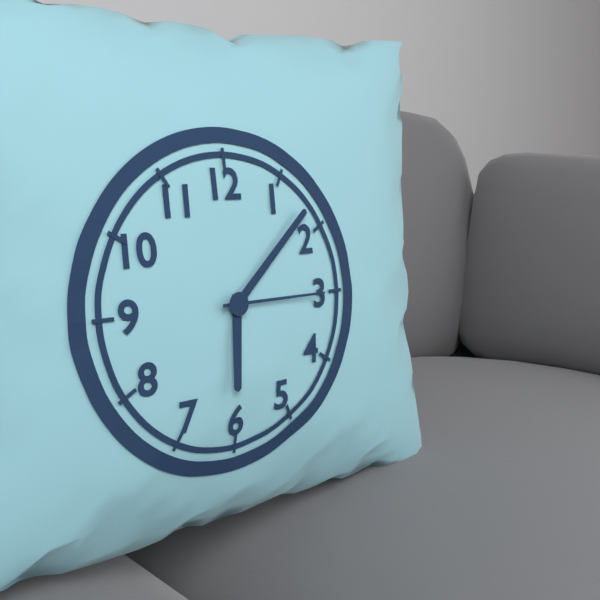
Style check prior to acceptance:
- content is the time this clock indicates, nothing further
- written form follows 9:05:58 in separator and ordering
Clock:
6:08:15
